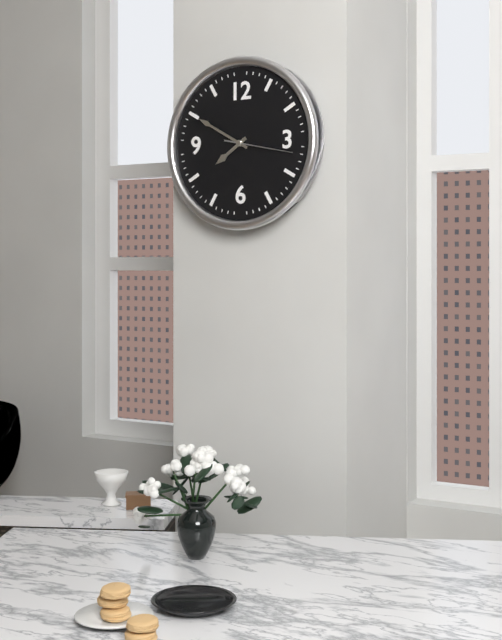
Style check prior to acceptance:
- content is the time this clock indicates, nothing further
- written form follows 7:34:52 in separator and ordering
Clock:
7:50:17
